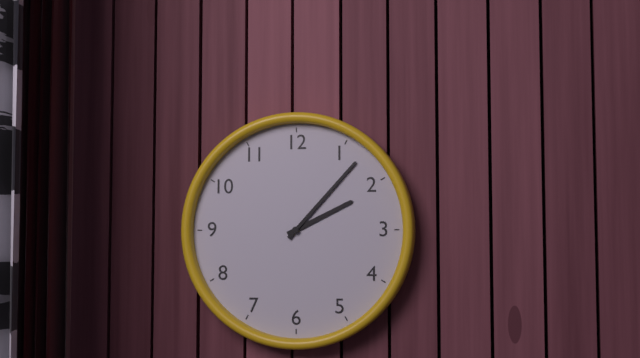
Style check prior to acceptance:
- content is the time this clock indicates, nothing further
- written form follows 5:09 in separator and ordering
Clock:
2:07
